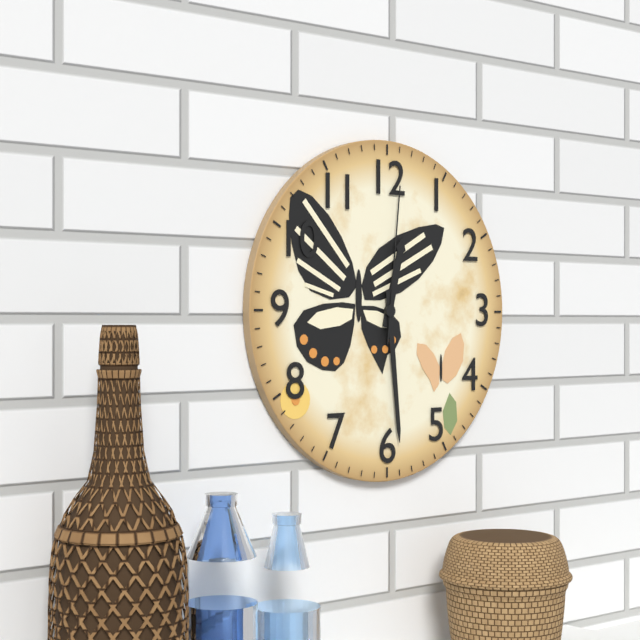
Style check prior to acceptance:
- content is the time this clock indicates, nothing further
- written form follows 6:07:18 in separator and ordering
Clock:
12:29:01
